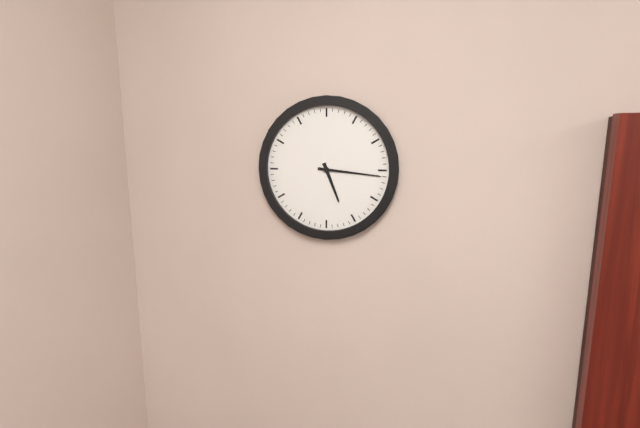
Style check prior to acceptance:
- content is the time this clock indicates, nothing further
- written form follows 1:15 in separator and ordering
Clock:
5:16
